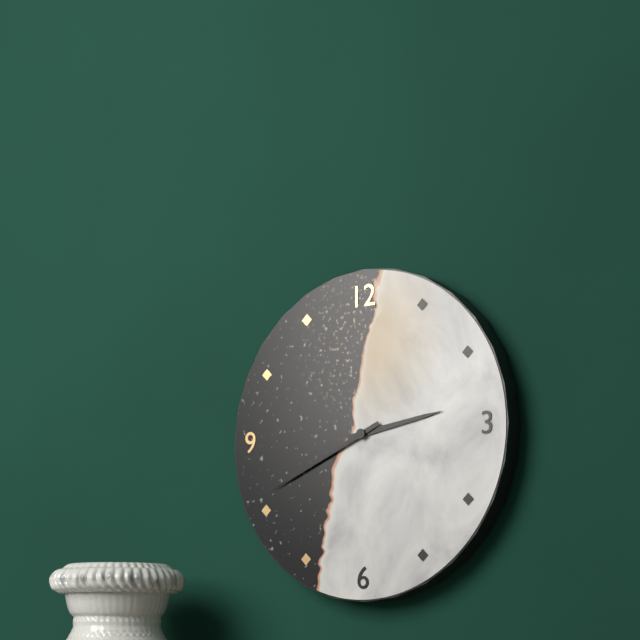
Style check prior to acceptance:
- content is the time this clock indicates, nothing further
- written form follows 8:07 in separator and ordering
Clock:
2:41
